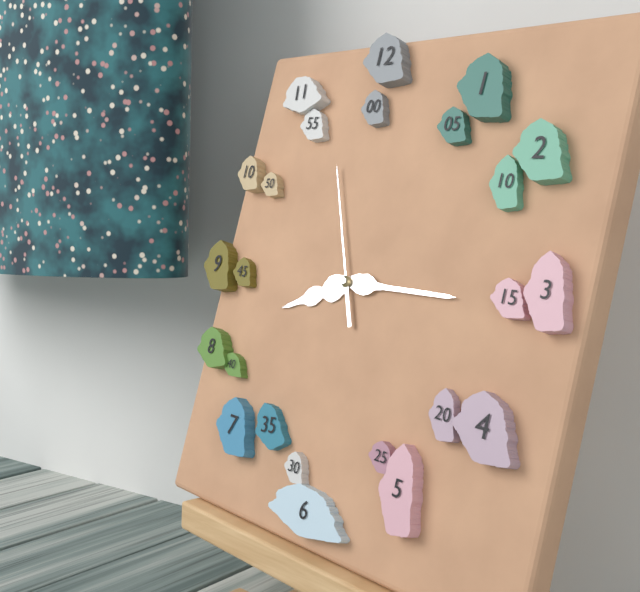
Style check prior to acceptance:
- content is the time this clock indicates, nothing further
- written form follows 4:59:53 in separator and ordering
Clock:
8:15:56
